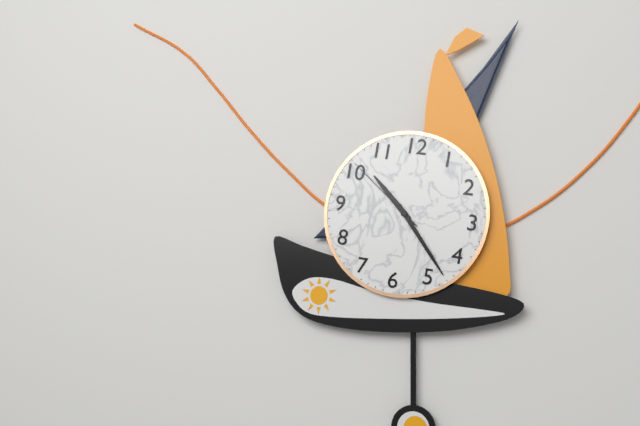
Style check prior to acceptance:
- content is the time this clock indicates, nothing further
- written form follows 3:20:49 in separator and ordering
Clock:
10:23:51
